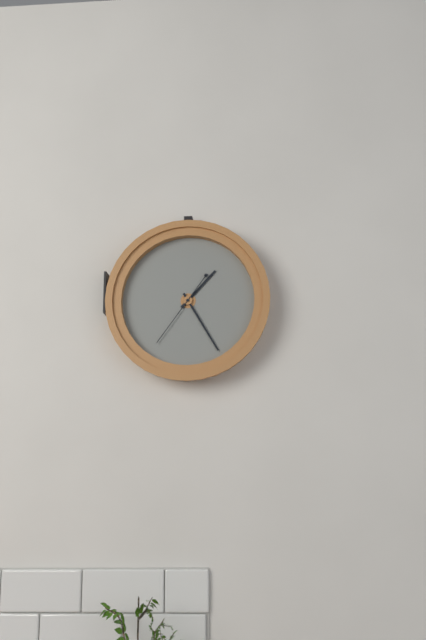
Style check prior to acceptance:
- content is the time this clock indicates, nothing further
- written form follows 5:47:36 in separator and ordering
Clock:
1:25:36
